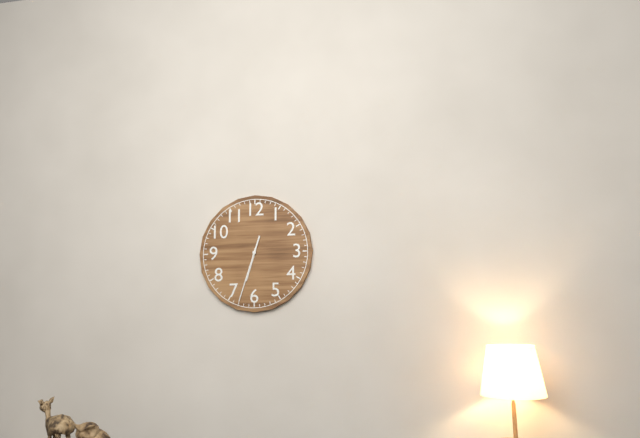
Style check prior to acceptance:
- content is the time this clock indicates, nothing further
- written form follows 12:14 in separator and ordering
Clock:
6:33
